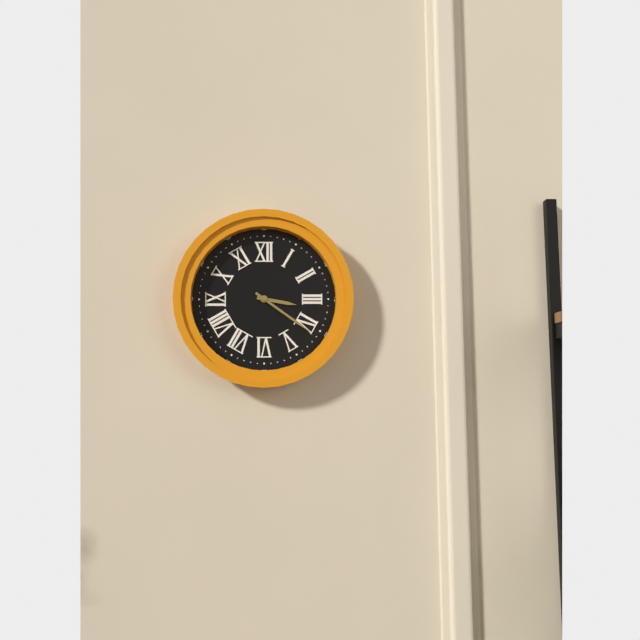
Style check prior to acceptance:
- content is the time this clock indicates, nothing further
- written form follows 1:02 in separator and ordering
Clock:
3:21
